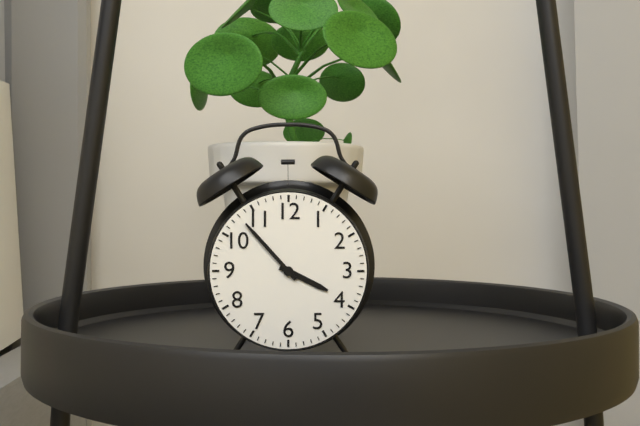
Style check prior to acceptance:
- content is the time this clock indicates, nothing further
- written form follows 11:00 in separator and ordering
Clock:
3:53
